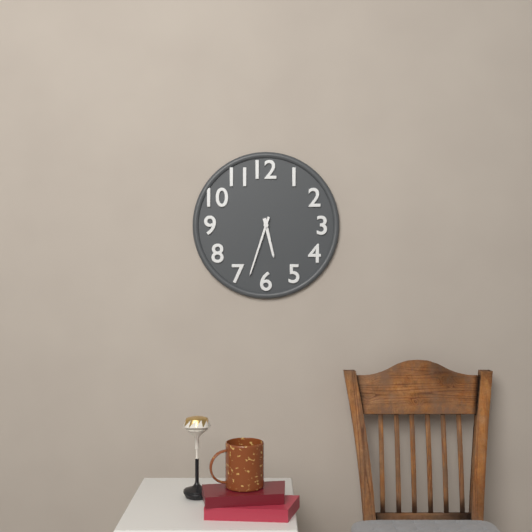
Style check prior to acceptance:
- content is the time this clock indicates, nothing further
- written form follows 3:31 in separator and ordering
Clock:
5:33
